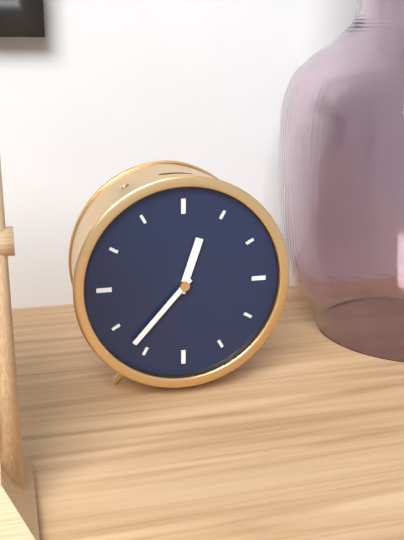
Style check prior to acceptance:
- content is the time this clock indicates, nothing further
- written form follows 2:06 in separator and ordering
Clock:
12:37
